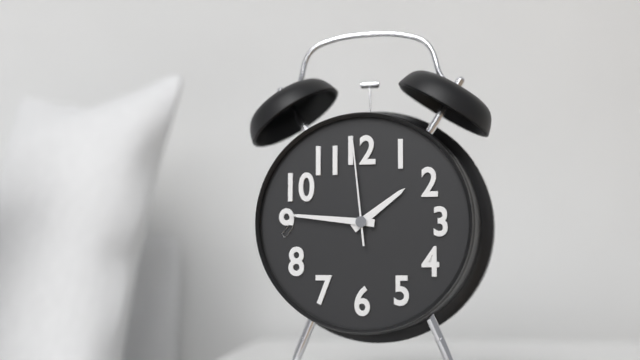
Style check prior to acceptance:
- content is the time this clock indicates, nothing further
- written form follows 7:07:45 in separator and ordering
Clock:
1:46:59
